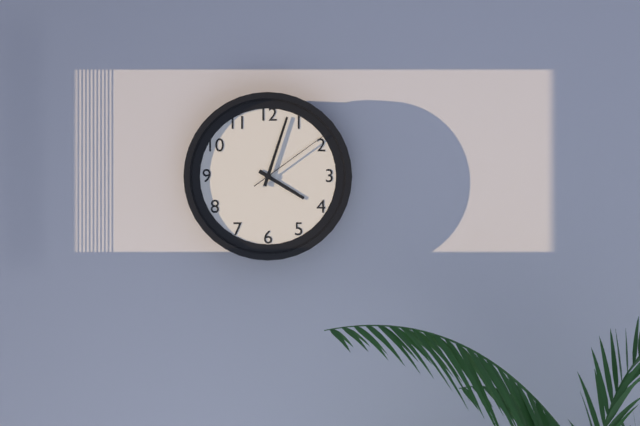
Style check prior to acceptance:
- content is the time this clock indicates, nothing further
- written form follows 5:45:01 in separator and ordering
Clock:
4:03:09
